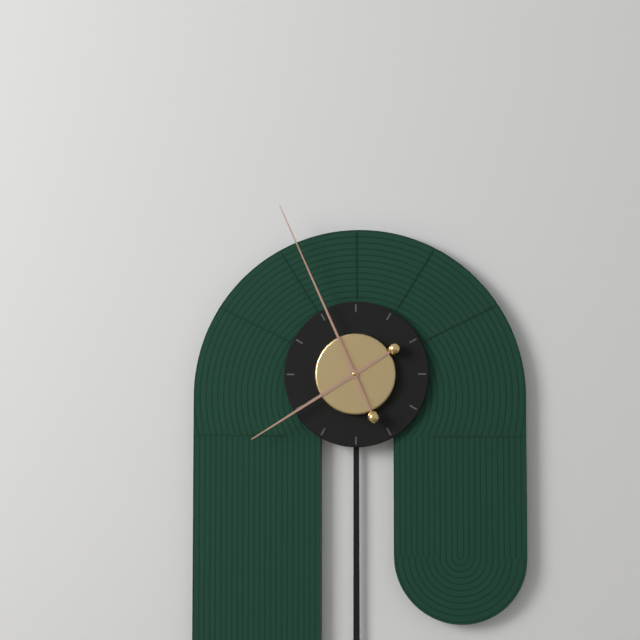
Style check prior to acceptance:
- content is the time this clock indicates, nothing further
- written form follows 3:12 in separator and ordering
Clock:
7:56
